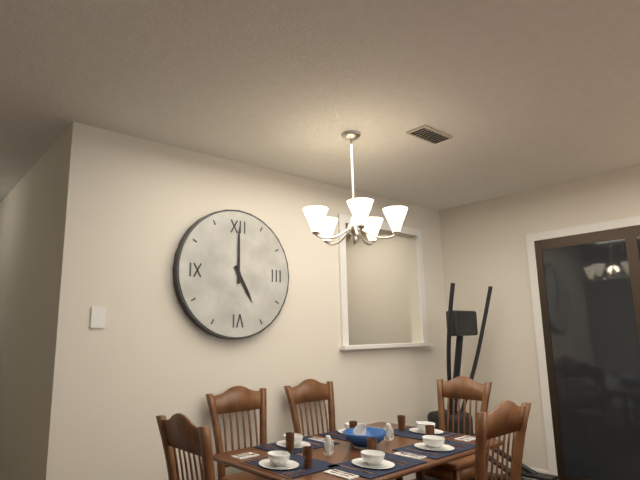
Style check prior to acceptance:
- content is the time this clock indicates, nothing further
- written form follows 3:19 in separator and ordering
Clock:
5:00
